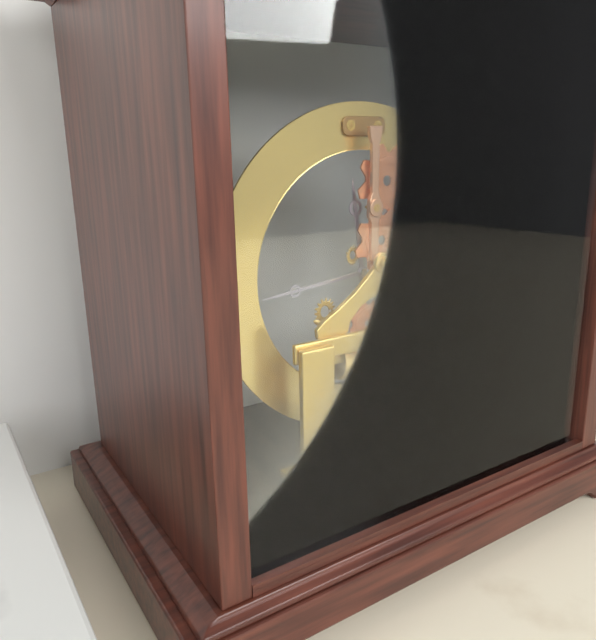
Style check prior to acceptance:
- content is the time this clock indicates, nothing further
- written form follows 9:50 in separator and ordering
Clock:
11:44
